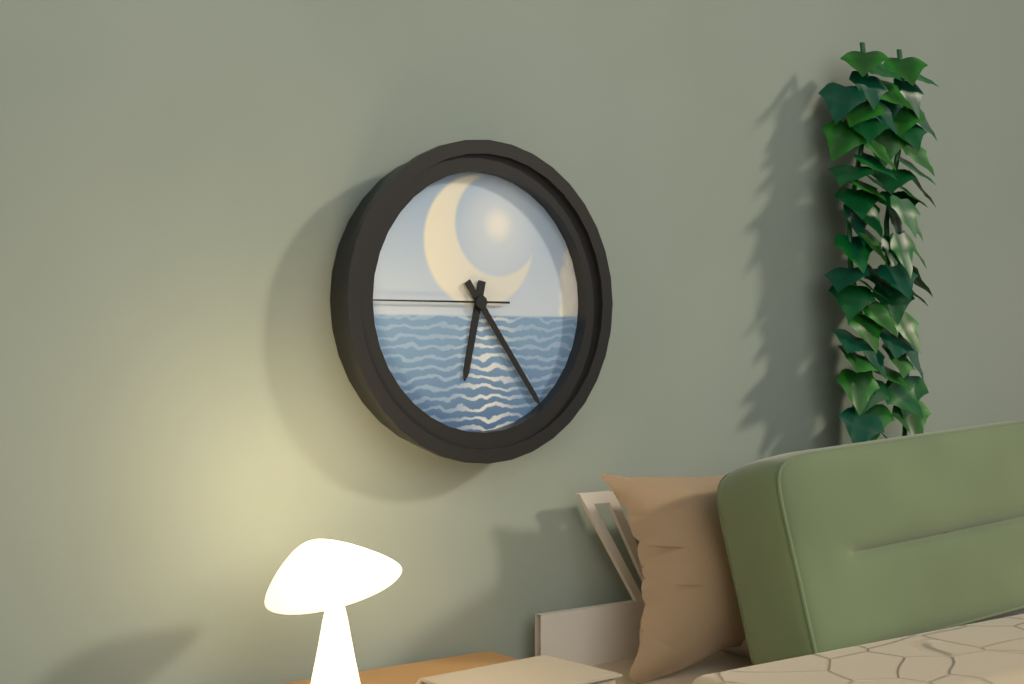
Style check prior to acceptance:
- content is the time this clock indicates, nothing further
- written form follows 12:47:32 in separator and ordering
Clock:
6:24:45
